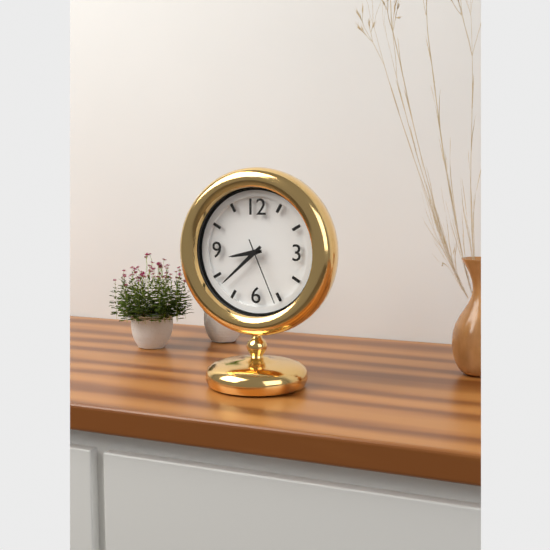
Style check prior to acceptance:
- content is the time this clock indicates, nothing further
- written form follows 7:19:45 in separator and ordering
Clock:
8:38:26
